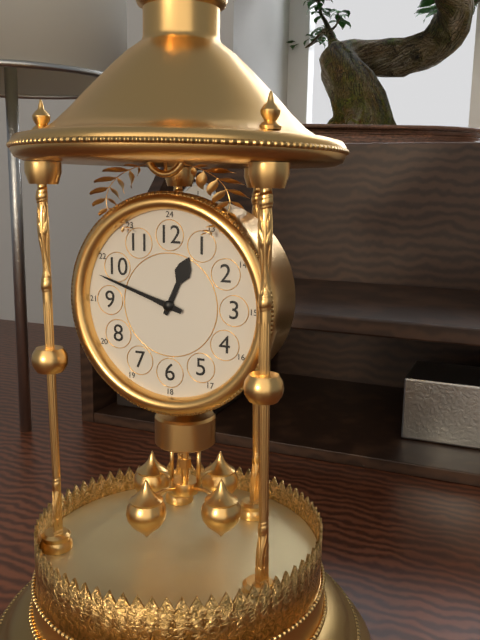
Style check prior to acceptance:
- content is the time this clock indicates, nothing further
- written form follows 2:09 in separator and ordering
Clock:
12:48
